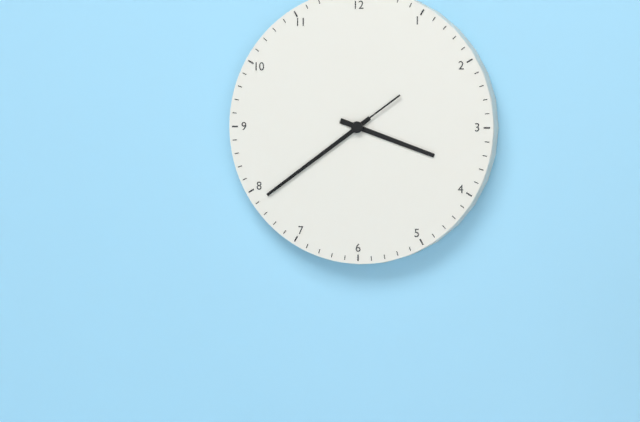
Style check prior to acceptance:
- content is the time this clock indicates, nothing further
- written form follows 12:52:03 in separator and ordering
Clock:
3:39:39
